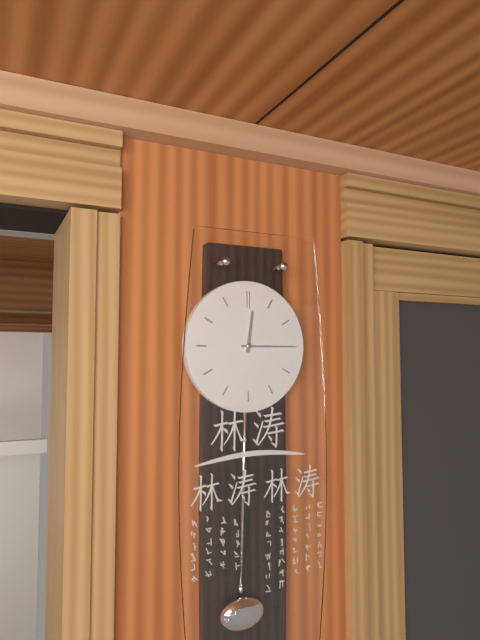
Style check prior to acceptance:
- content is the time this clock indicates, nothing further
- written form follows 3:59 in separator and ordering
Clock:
12:15
